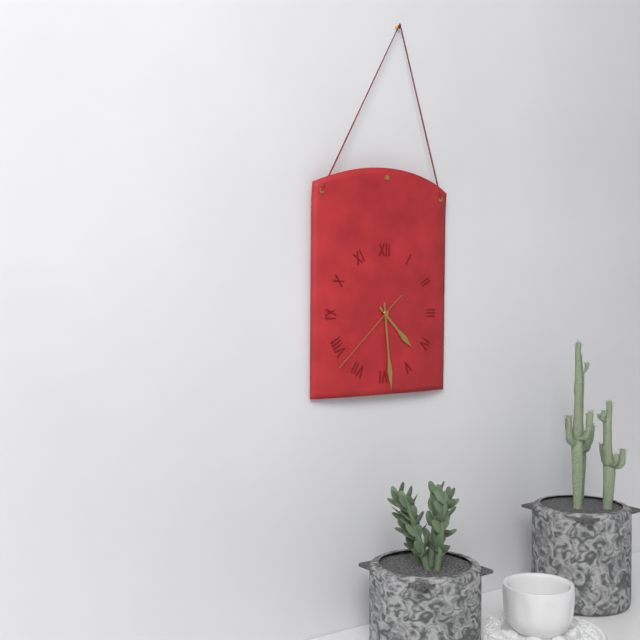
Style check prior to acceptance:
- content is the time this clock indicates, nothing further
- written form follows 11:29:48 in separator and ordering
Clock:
4:29:38
